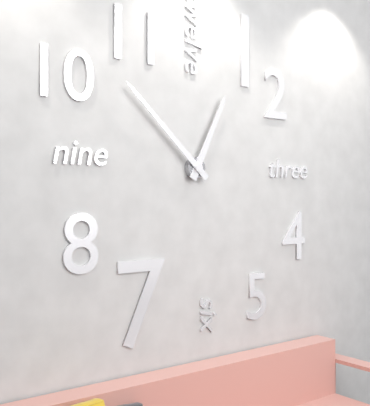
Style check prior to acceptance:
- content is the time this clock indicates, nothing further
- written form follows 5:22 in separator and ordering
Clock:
12:52
